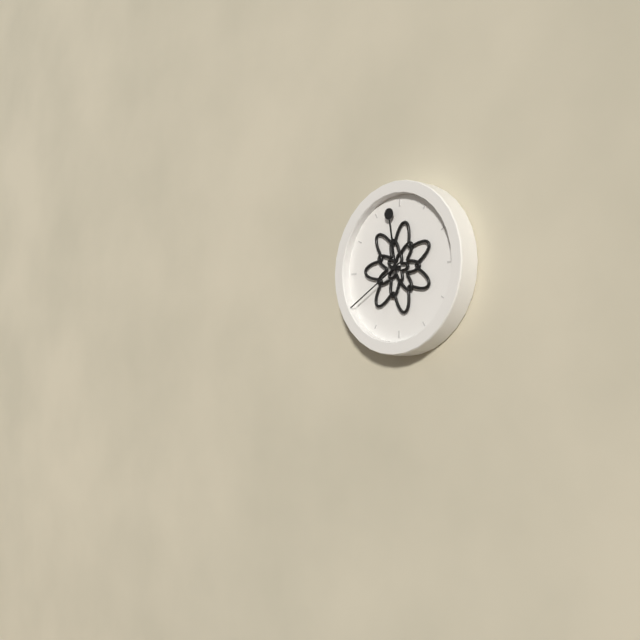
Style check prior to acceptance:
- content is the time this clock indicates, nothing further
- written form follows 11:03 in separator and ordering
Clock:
11:40
